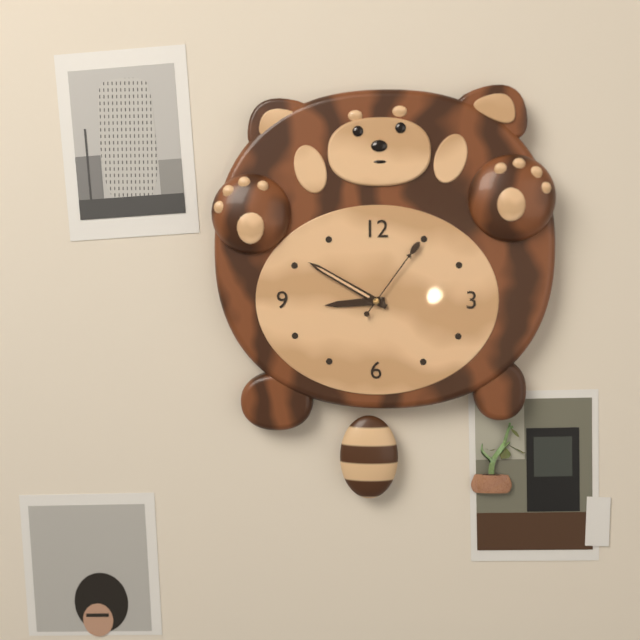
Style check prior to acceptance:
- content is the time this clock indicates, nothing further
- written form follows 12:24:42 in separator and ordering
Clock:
8:50:06
